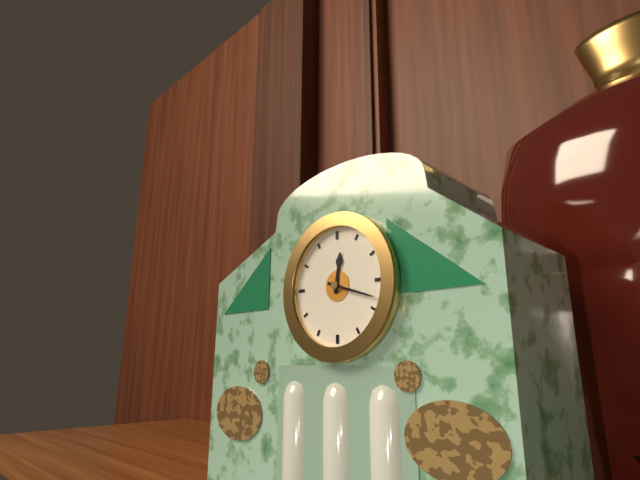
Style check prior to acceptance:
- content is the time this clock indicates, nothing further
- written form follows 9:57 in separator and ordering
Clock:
12:18
